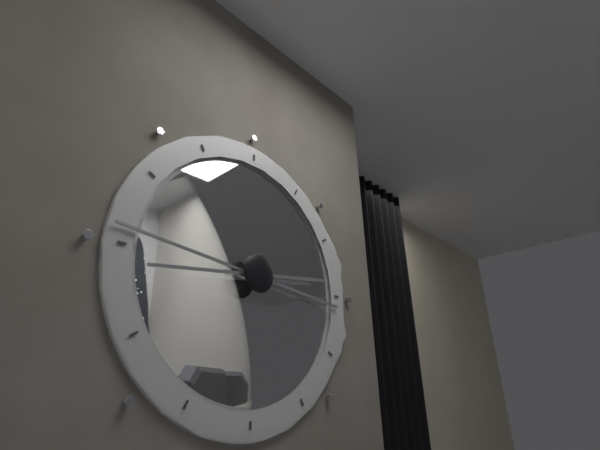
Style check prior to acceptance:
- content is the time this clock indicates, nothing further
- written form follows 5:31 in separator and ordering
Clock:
8:46
